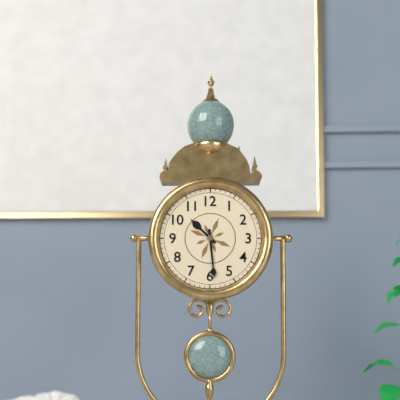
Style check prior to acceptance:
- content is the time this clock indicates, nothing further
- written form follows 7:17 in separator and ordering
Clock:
10:29
